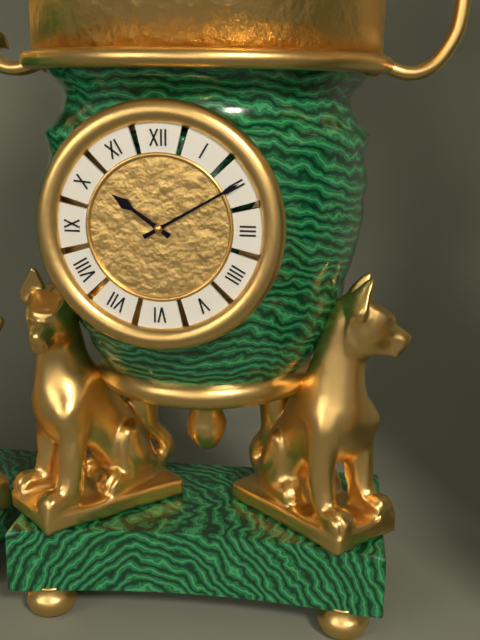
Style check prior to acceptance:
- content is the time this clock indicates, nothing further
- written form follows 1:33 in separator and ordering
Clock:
10:10
